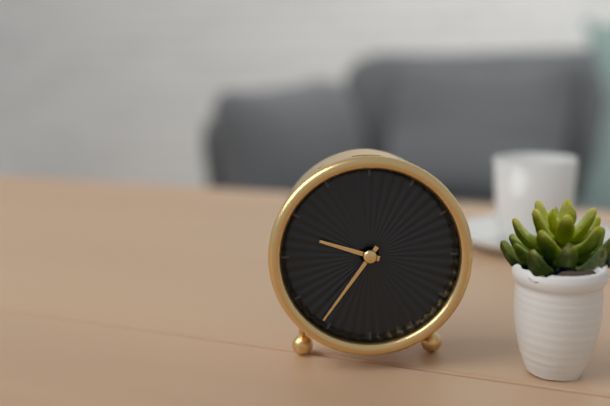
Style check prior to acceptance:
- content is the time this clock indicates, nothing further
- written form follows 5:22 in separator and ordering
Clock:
9:36
